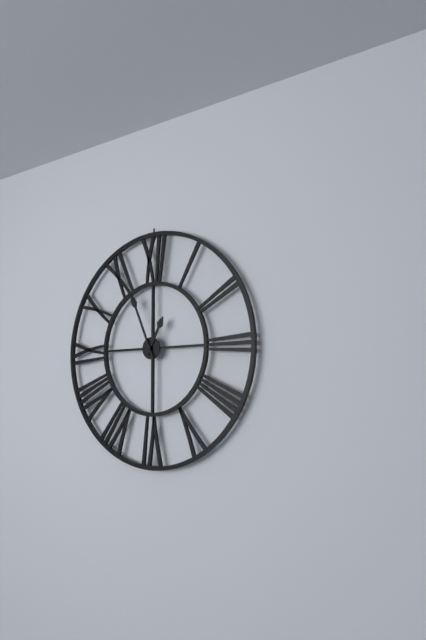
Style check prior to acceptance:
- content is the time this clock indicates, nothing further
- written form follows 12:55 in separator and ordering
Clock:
12:56
